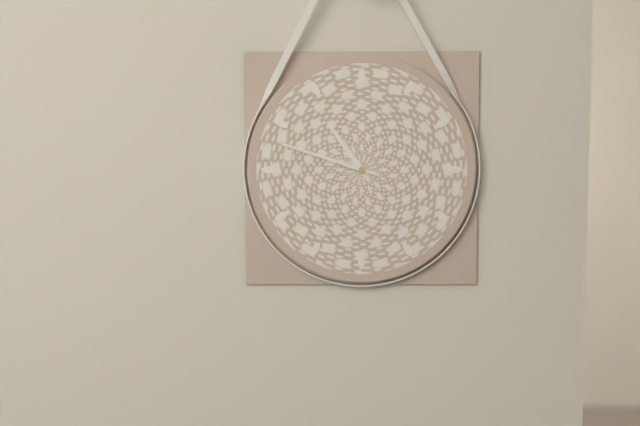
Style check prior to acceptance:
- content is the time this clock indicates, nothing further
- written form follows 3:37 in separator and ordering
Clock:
10:48
